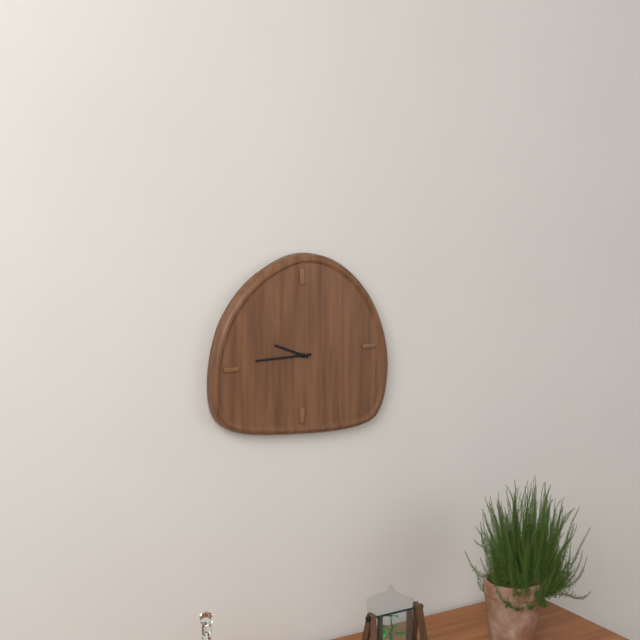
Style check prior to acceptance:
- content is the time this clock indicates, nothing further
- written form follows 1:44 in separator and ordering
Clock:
9:45
